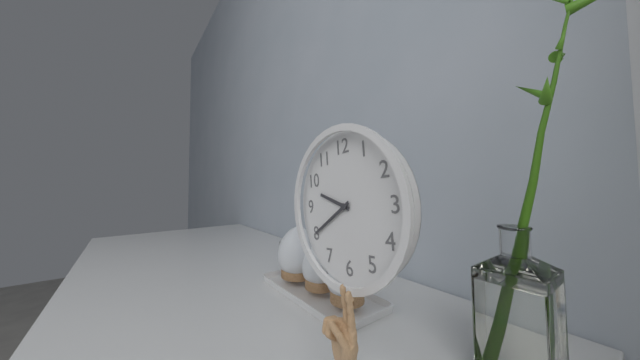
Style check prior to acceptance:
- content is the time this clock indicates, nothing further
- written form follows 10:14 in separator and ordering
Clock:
9:40
